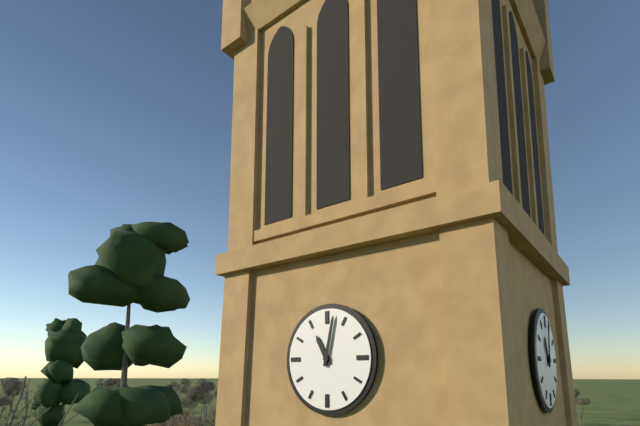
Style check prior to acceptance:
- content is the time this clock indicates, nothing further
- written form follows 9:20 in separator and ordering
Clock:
11:02
